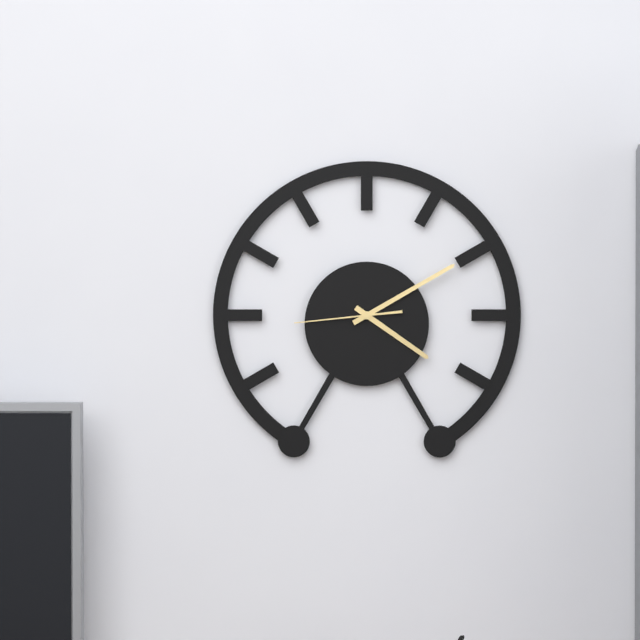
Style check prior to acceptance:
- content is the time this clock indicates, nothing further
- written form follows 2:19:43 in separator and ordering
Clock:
4:10:44
